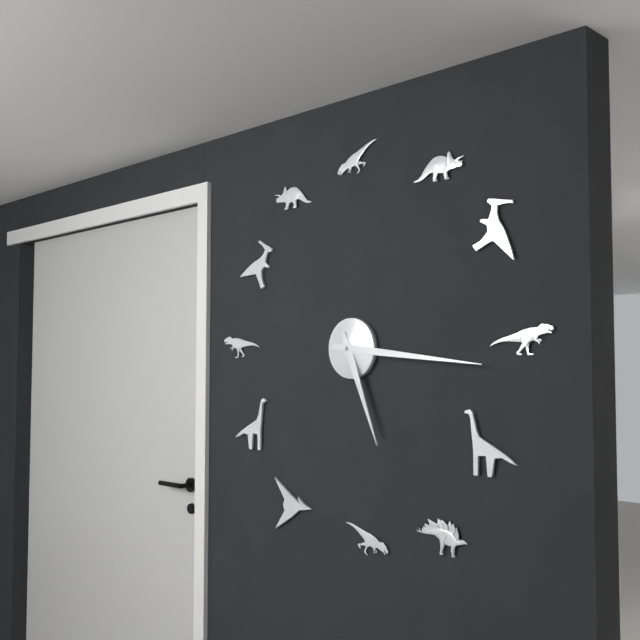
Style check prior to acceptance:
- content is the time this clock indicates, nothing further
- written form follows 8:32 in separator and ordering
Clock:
5:16
